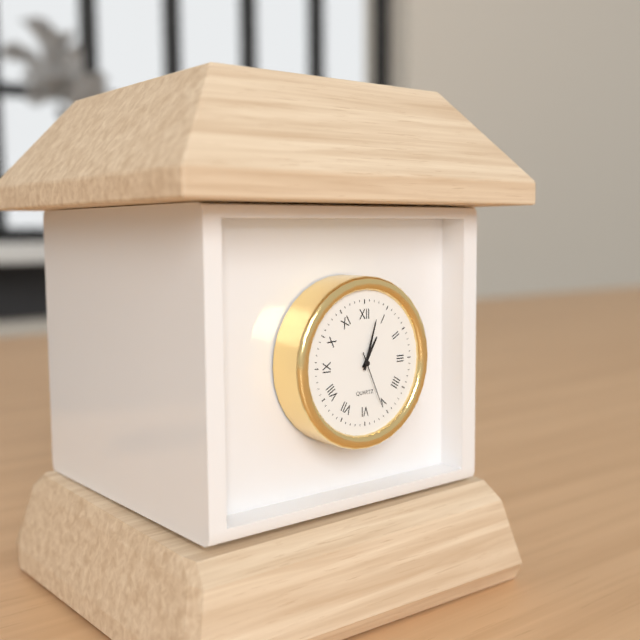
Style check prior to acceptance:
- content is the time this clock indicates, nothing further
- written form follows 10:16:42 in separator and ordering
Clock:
1:03:26
